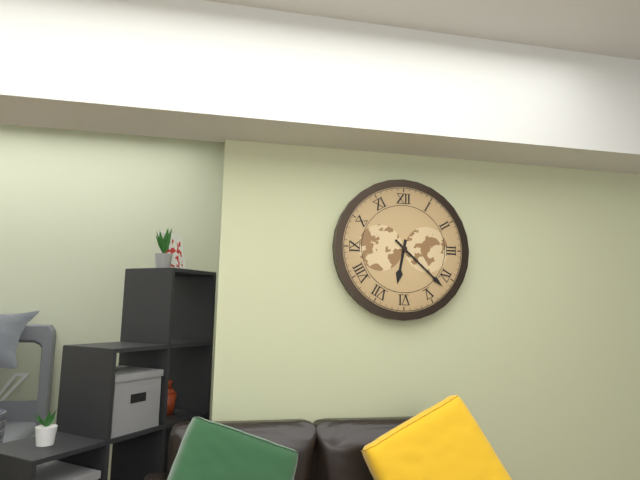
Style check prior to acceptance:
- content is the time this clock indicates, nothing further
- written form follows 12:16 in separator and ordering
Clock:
6:22
